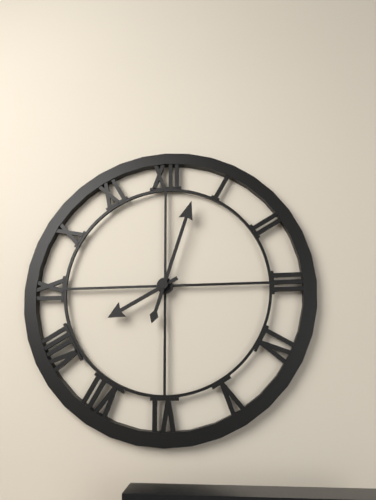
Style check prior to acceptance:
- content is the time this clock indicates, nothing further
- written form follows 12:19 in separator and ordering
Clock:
8:03
